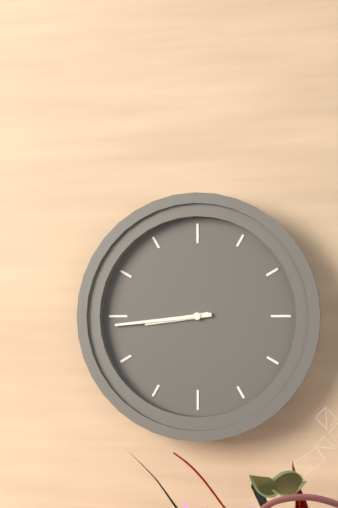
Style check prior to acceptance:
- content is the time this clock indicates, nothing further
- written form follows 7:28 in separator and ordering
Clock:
8:44
